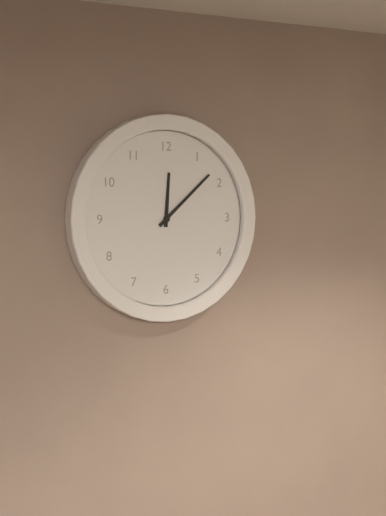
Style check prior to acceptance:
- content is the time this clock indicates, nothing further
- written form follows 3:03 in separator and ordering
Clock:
12:08
